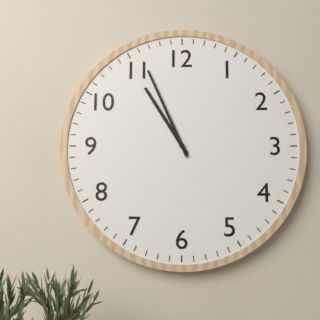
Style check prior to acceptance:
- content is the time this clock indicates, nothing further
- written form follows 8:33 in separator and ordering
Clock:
10:56
